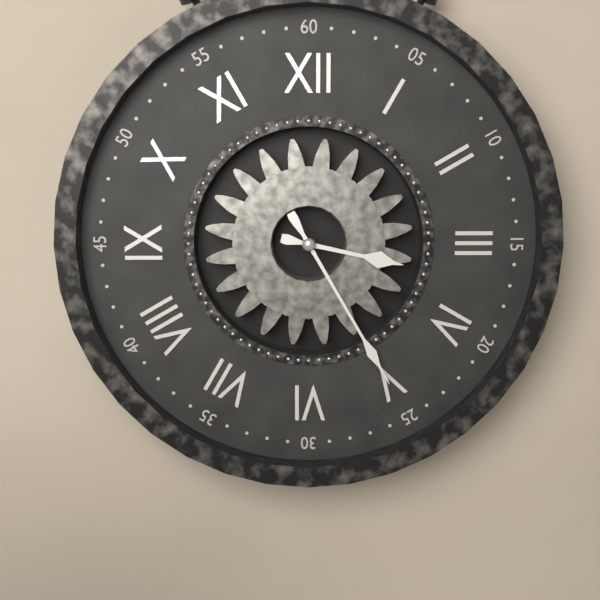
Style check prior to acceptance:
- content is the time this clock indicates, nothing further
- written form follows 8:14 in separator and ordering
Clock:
3:25
